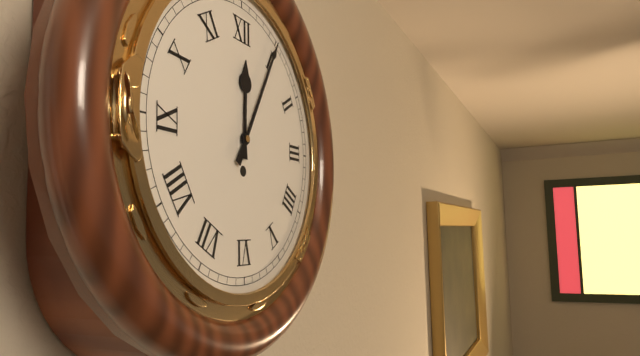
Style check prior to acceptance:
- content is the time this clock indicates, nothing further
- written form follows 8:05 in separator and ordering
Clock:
12:05
